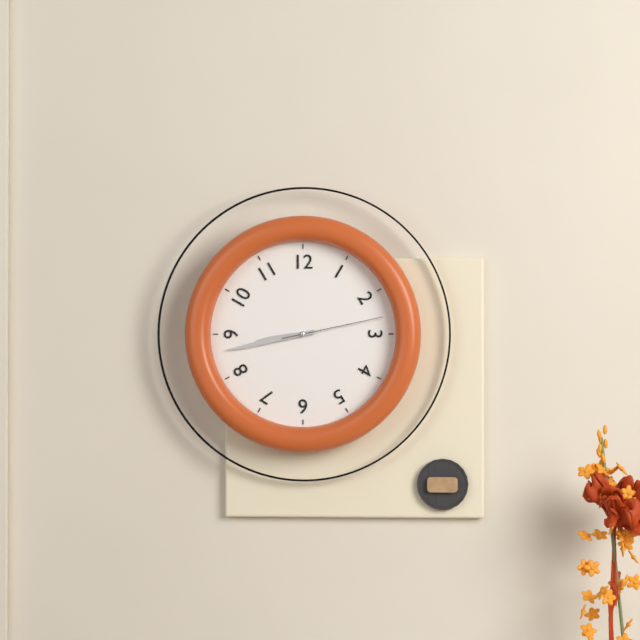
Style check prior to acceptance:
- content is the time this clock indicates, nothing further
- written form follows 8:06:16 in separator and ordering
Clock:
8:43:13
